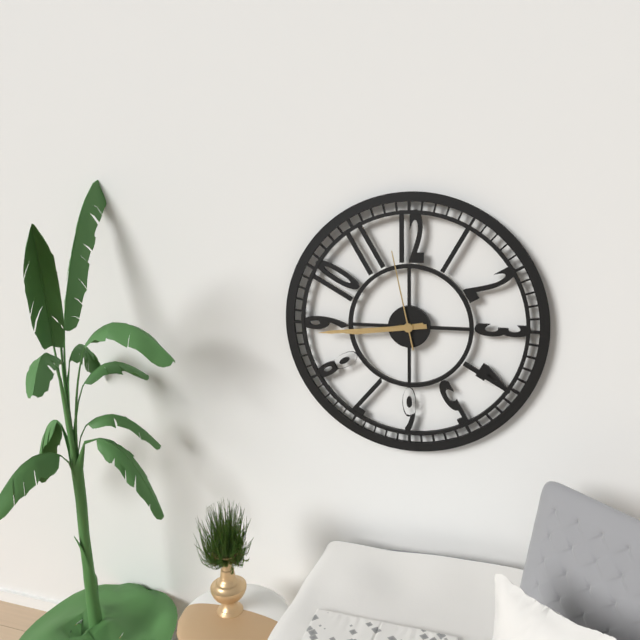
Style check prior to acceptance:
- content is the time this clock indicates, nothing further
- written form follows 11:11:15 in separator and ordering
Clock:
8:44:58
